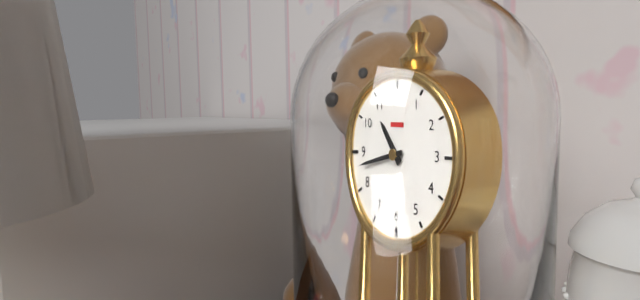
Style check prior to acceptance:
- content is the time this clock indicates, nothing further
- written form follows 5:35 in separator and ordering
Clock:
10:43
